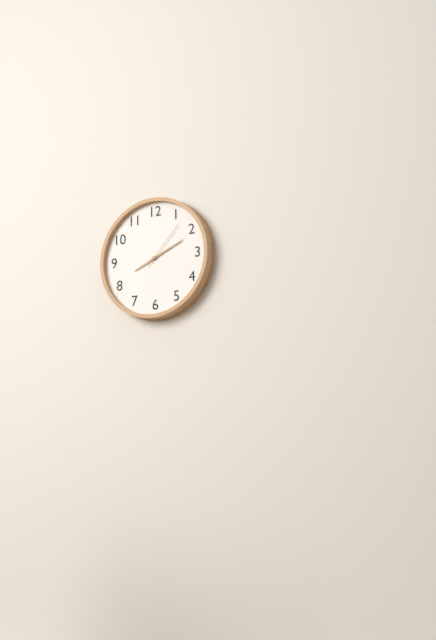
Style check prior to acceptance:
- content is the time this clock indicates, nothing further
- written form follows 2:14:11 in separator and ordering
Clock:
8:11:07
